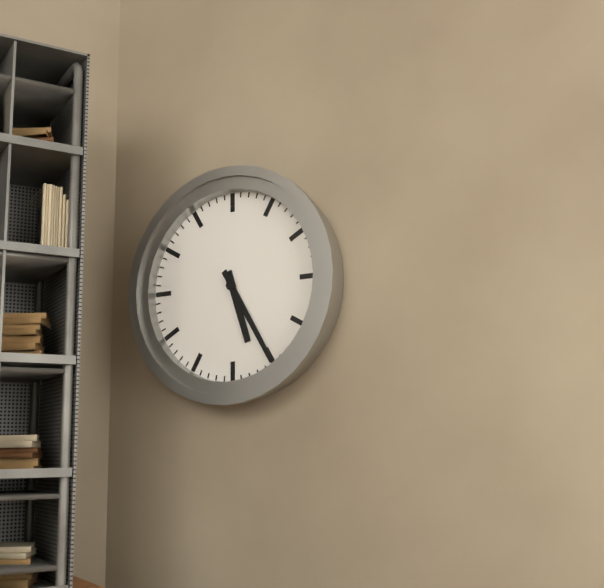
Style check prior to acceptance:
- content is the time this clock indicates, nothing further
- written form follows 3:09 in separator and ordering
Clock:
5:25
